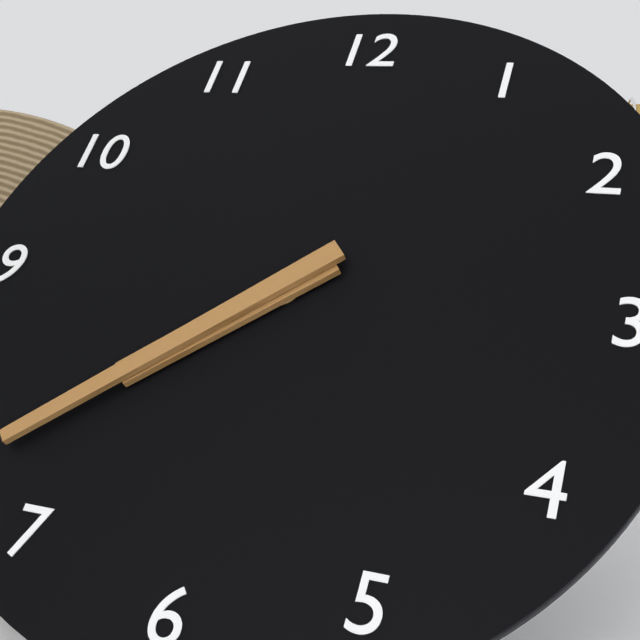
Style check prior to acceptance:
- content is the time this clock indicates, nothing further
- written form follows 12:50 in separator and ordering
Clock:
7:38
